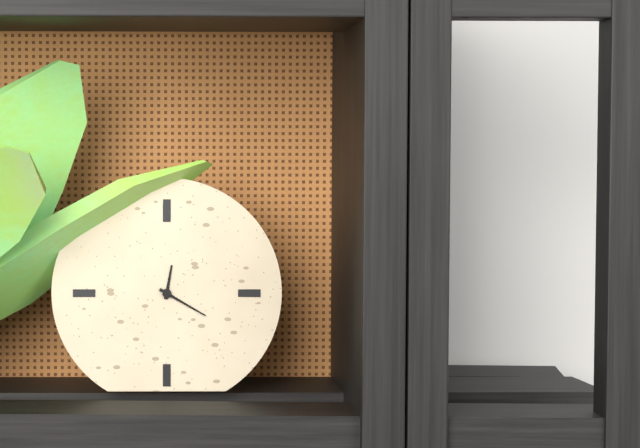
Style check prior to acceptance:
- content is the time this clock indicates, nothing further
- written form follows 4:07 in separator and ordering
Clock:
12:20
